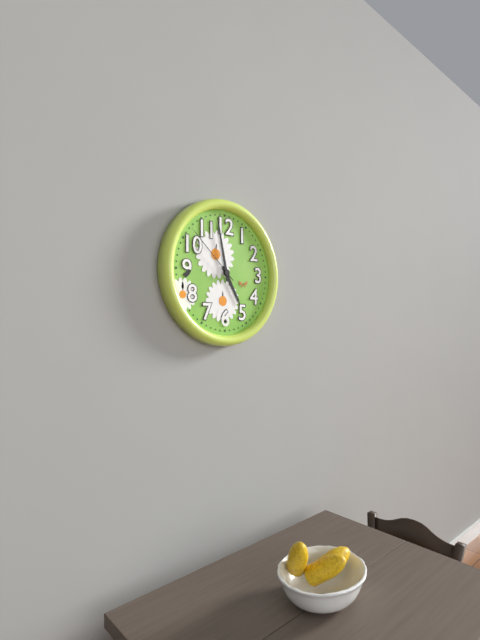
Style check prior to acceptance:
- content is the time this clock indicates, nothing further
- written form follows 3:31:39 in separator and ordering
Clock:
4:58:52
